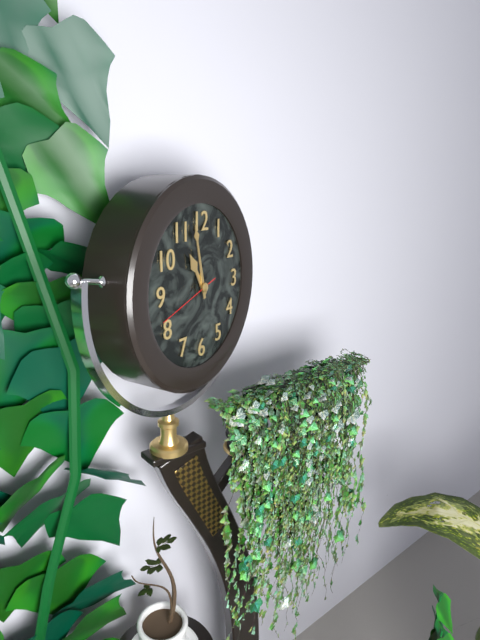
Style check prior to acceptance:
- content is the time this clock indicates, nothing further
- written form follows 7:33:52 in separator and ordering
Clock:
10:58:42
